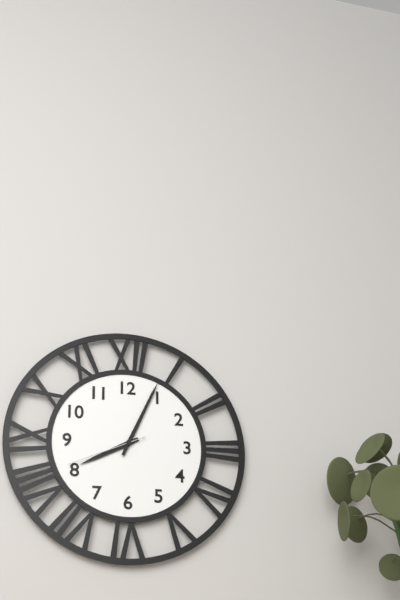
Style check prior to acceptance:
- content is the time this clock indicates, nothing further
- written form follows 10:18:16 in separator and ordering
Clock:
8:04:41
